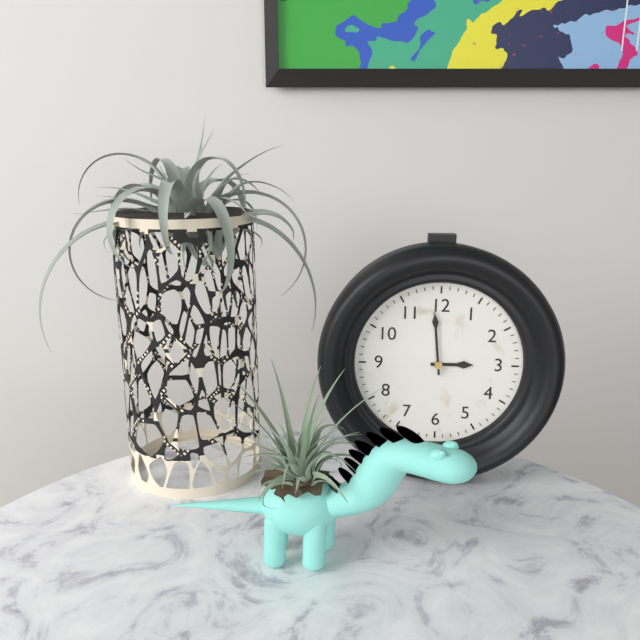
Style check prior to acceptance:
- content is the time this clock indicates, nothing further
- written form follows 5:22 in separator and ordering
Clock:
2:59
